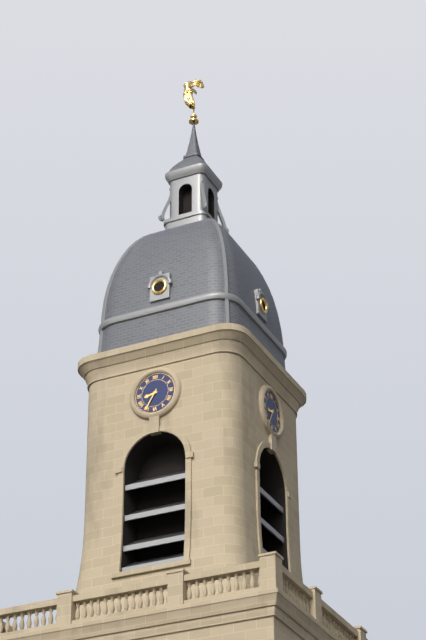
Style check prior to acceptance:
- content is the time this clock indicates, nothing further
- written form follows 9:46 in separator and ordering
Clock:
8:35
